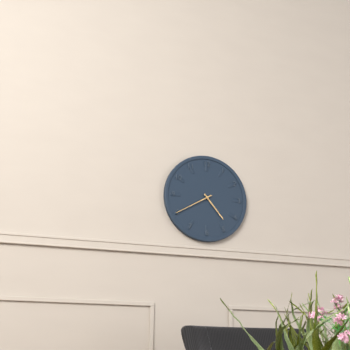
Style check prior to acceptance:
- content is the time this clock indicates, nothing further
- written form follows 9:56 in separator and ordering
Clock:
4:40
